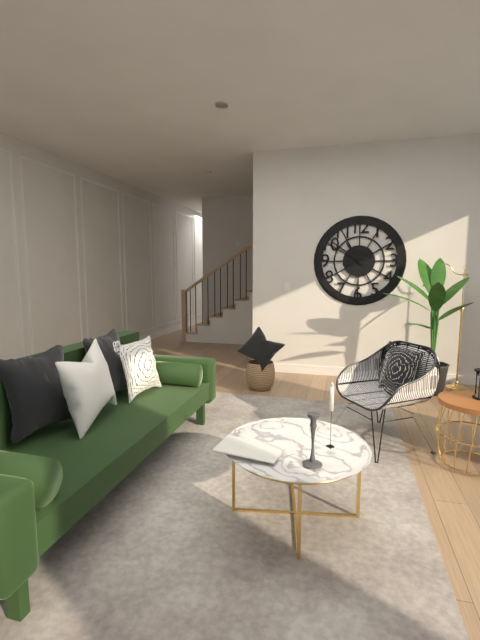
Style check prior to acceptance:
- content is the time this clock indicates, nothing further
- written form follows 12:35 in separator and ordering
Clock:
10:51
